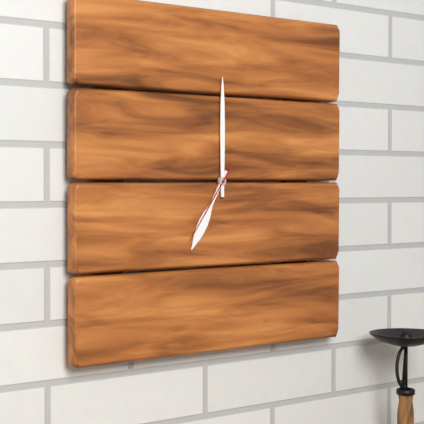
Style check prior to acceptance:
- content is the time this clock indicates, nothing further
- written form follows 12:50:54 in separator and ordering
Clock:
7:00:36
